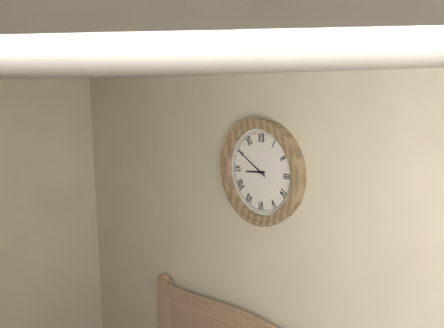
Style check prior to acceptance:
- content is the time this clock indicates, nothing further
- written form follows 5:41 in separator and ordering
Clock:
8:50
